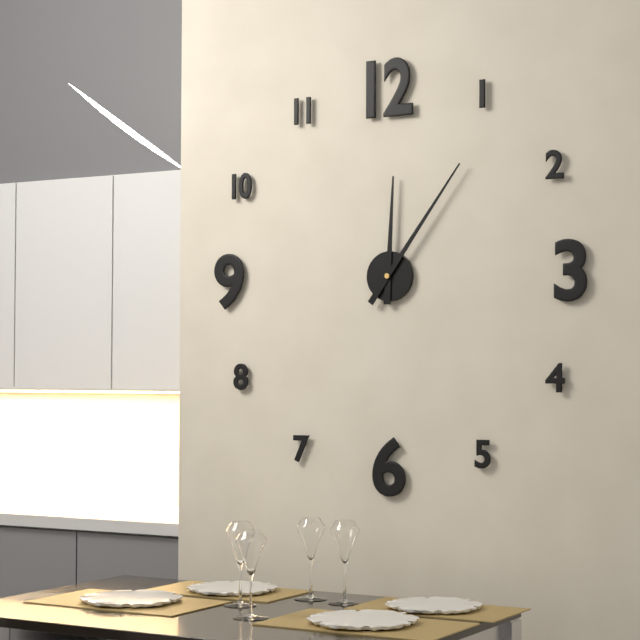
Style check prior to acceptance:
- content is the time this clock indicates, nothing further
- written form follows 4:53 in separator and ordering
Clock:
12:06
